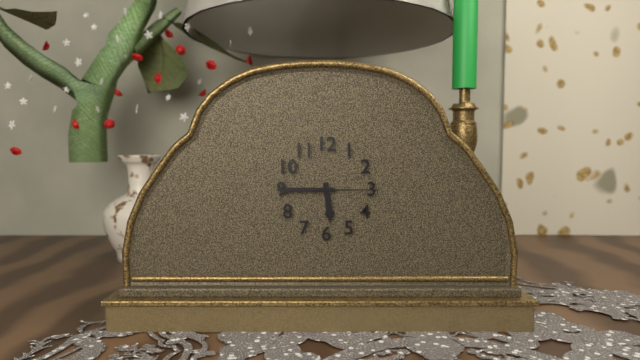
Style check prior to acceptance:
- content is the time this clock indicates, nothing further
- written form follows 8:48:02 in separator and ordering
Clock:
5:45:15
